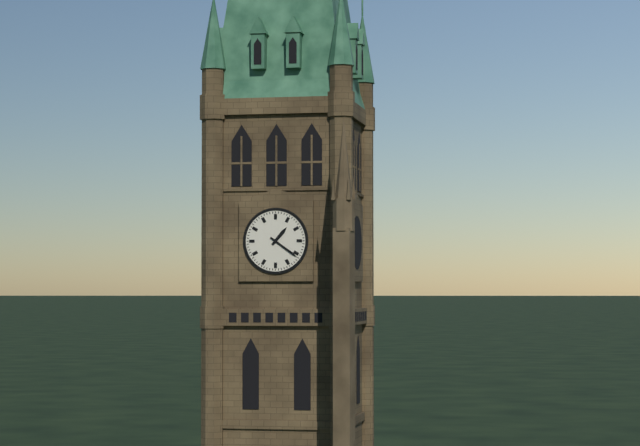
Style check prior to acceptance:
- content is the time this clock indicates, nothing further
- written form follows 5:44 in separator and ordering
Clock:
1:21
